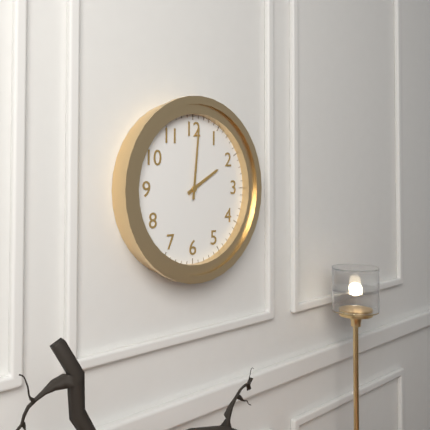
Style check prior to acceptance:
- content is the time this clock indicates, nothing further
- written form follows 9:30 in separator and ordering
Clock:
2:01
